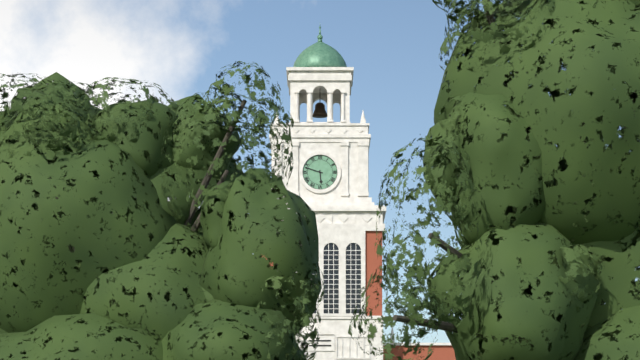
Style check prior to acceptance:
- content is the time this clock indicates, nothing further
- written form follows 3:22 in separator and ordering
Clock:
5:48
